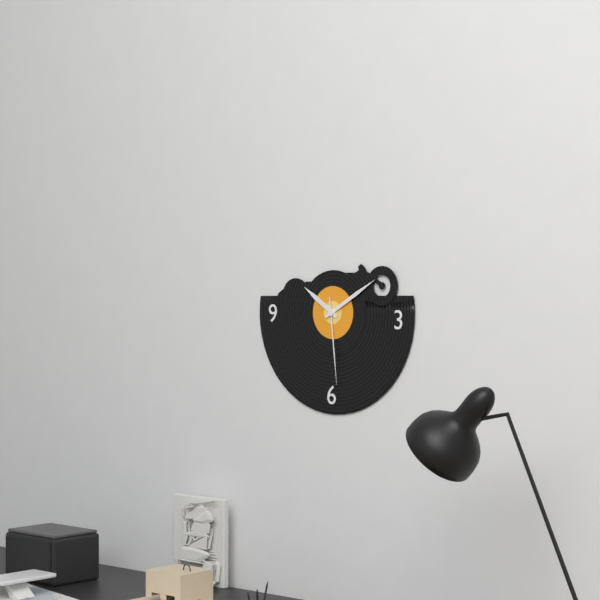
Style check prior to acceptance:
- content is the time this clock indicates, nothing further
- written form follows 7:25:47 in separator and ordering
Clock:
10:10:29
